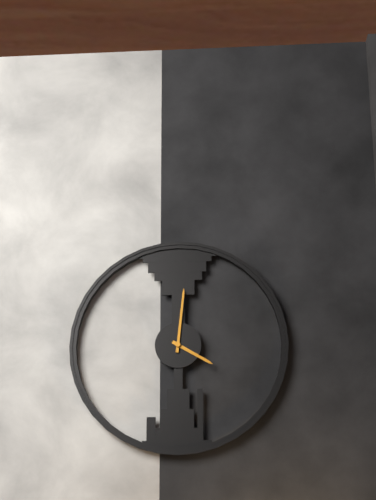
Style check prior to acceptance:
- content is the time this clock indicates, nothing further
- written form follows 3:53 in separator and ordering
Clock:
4:01
